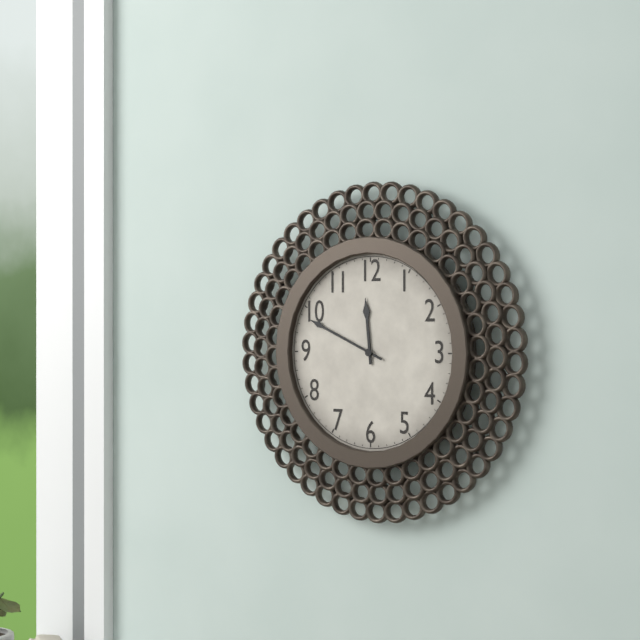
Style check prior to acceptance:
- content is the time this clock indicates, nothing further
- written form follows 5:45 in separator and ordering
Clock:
11:49
